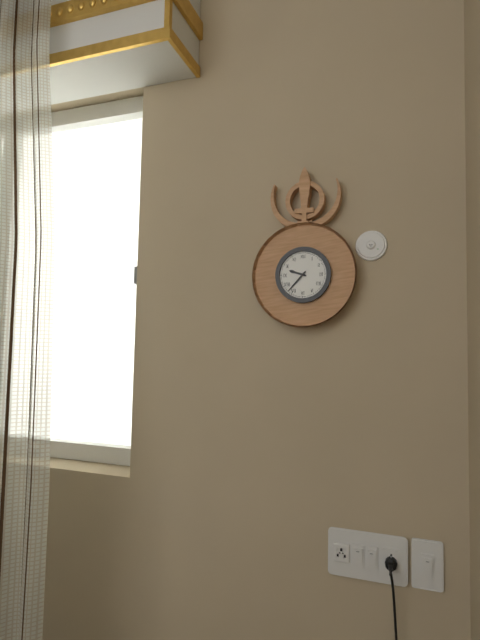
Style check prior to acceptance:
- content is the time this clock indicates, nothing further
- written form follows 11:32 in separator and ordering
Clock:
9:37
